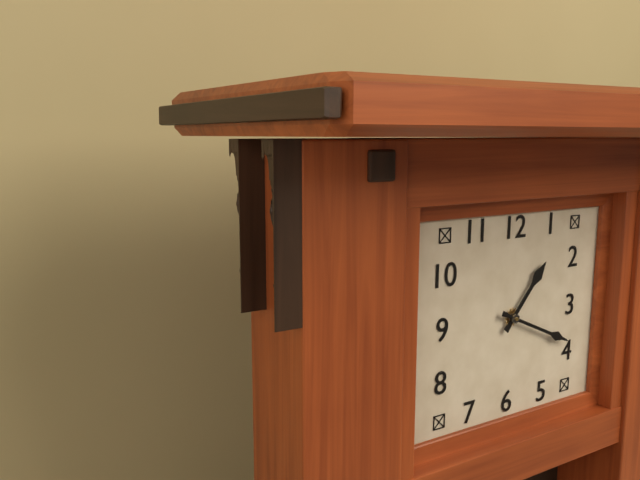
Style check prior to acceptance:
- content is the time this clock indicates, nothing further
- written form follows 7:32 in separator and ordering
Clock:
1:19
